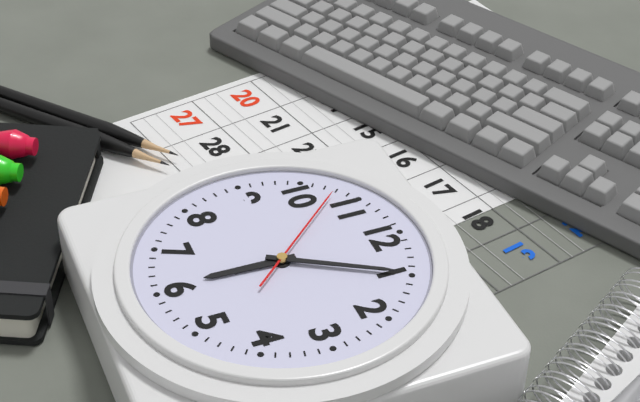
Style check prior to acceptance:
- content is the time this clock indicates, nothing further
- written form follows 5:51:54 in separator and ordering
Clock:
6:05:53
